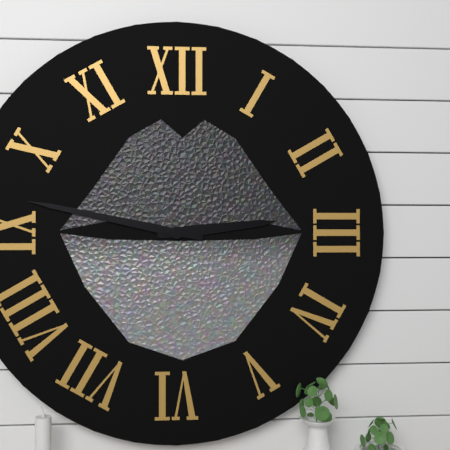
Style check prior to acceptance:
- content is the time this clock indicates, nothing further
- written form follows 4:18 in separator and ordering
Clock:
2:47
